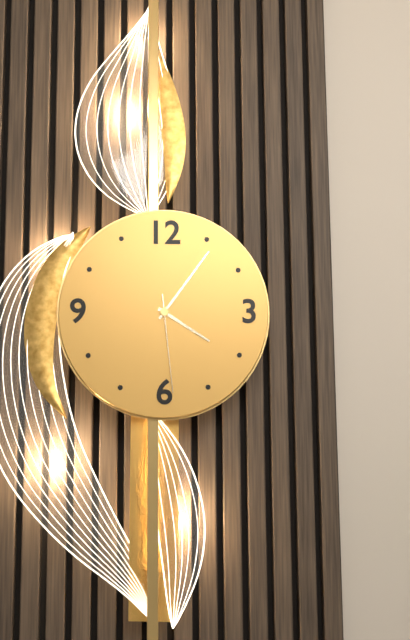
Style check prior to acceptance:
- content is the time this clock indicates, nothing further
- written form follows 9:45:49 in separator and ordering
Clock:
4:06:29
